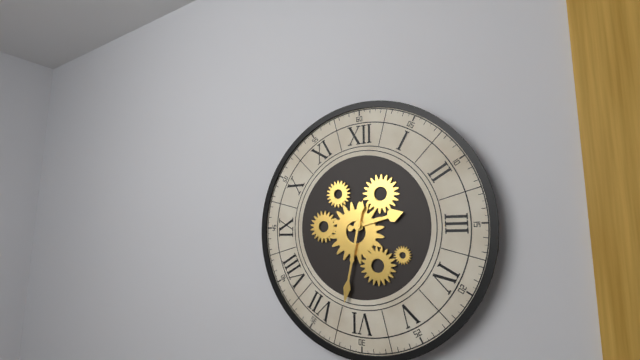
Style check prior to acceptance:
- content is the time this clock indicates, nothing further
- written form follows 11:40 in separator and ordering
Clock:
2:32
